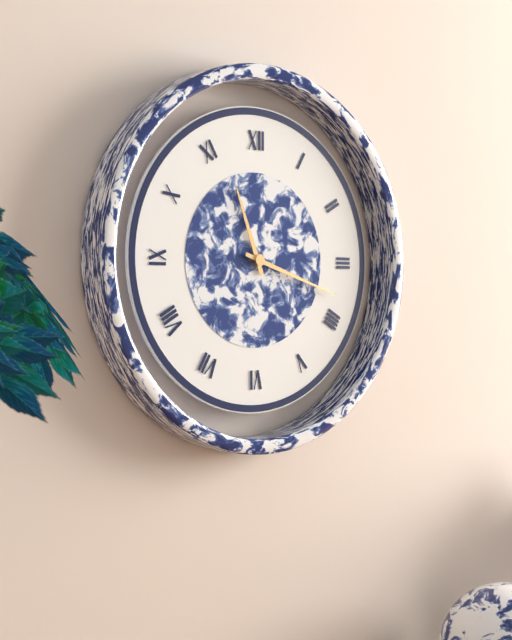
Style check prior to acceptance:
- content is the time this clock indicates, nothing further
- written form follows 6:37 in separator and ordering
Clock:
11:18
